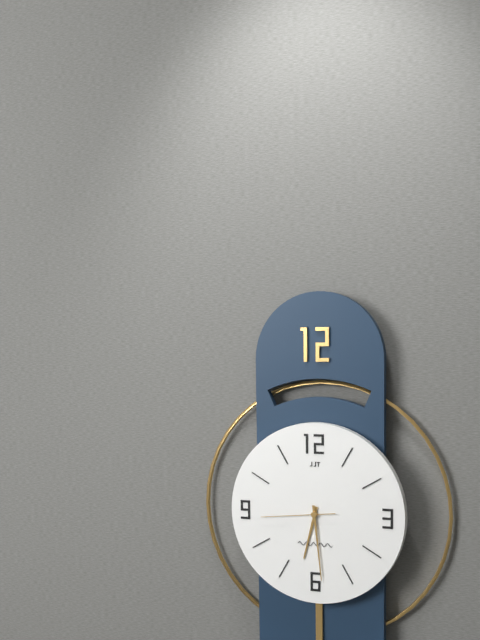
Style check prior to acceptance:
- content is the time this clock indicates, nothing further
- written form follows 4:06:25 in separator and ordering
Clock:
6:29:44
